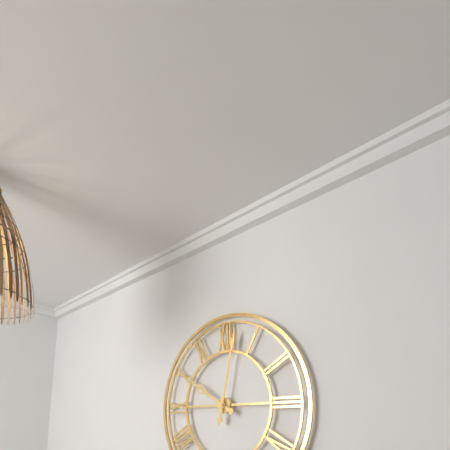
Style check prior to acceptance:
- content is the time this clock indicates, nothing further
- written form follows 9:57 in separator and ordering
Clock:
10:02
